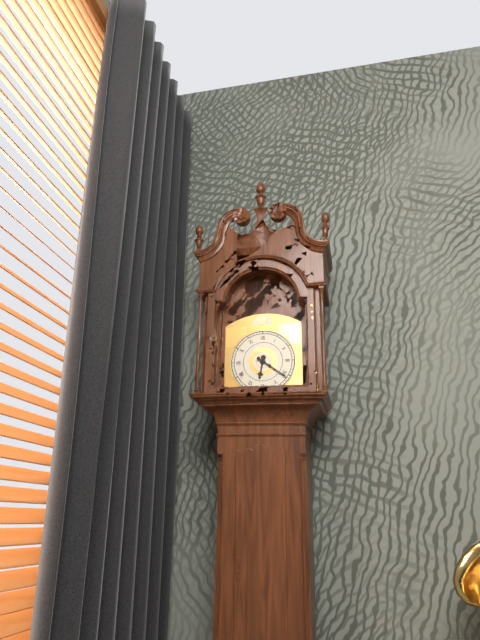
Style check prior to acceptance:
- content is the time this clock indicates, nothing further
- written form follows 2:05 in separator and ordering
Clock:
6:21
